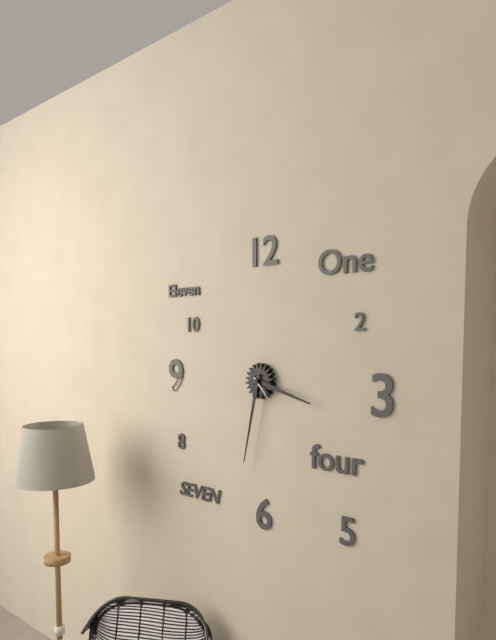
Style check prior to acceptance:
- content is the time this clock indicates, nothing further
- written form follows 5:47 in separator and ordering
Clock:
3:32
